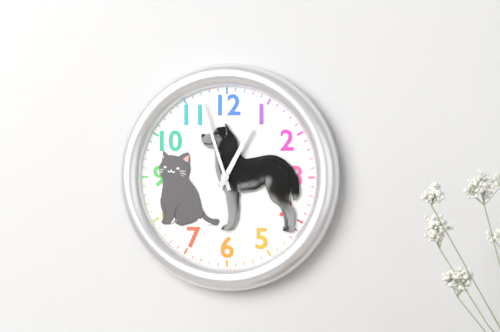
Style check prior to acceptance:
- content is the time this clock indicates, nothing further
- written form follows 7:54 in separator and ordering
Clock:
12:57
